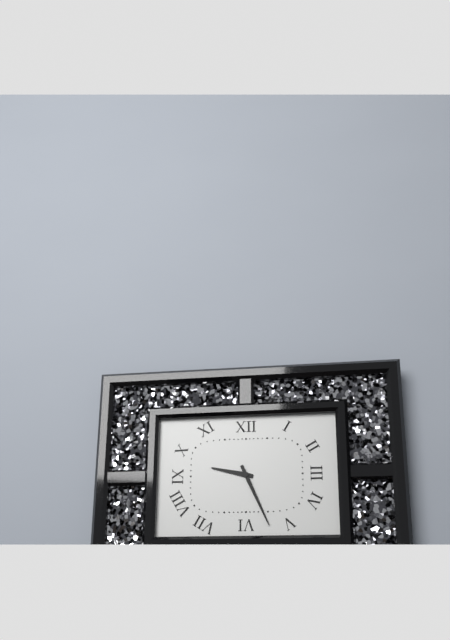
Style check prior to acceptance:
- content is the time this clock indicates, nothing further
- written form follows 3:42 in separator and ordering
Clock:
9:26
